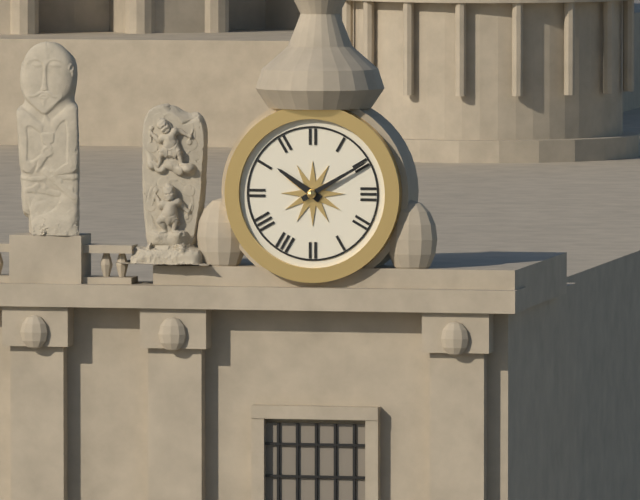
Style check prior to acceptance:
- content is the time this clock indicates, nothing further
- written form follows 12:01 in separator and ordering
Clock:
10:10
